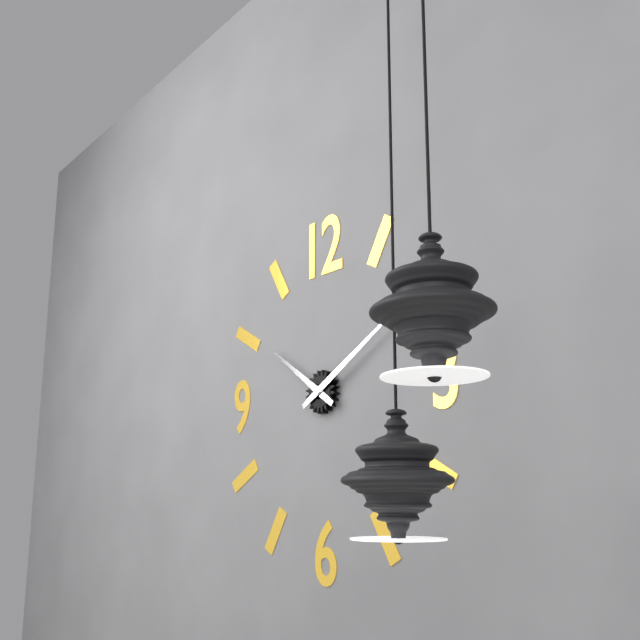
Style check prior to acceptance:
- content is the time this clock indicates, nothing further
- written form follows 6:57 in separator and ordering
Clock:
10:10
